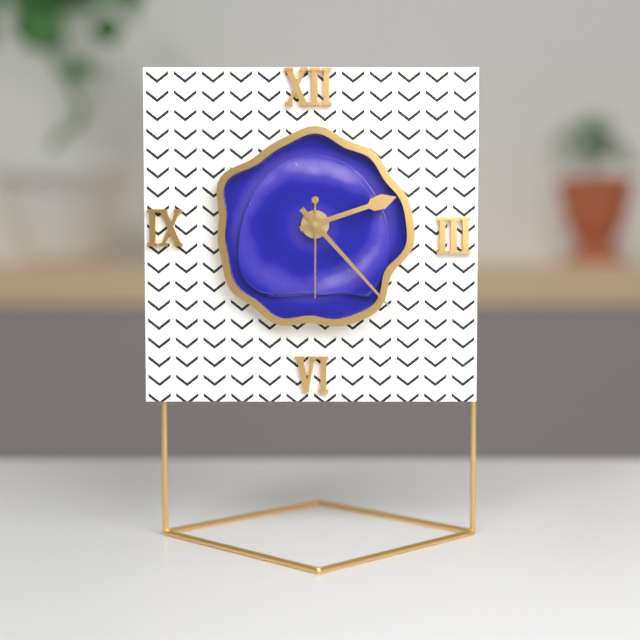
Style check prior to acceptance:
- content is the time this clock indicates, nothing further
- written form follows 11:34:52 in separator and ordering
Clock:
2:23:30
